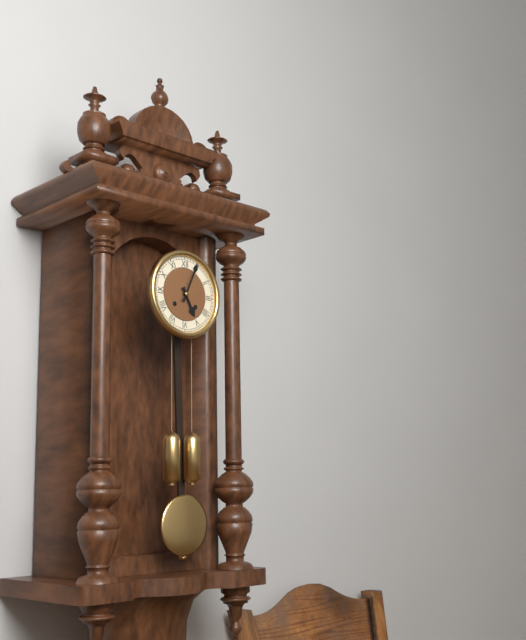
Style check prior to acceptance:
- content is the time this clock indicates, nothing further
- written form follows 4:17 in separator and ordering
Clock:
5:04
